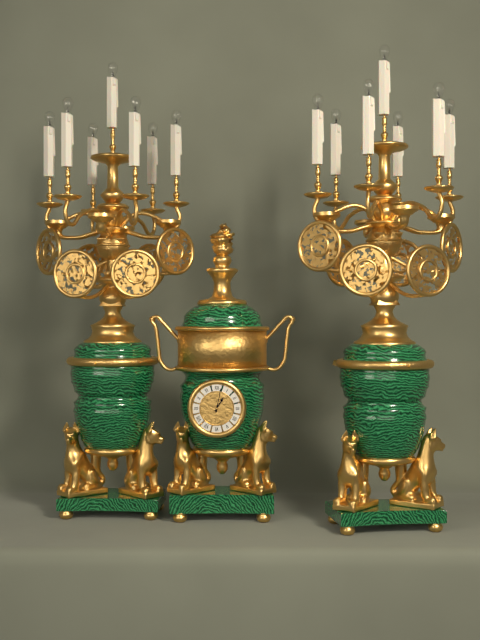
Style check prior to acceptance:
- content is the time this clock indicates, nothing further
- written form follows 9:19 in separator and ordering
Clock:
1:02
